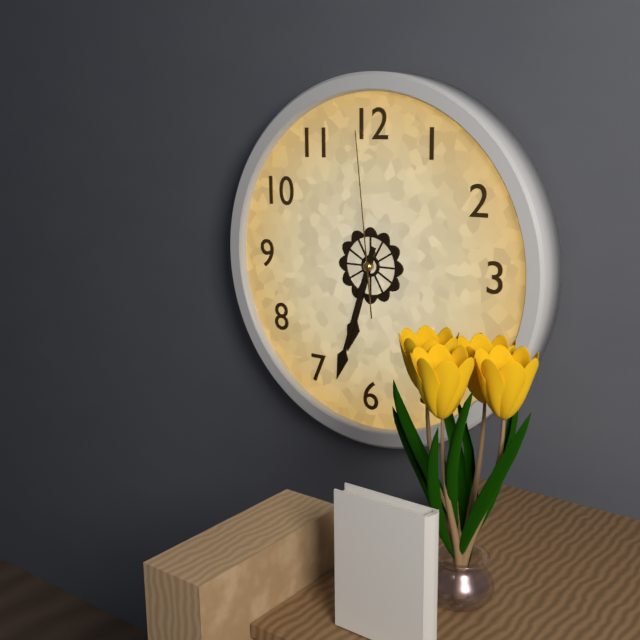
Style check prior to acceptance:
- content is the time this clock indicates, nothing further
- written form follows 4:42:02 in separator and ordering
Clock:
6:33:59
